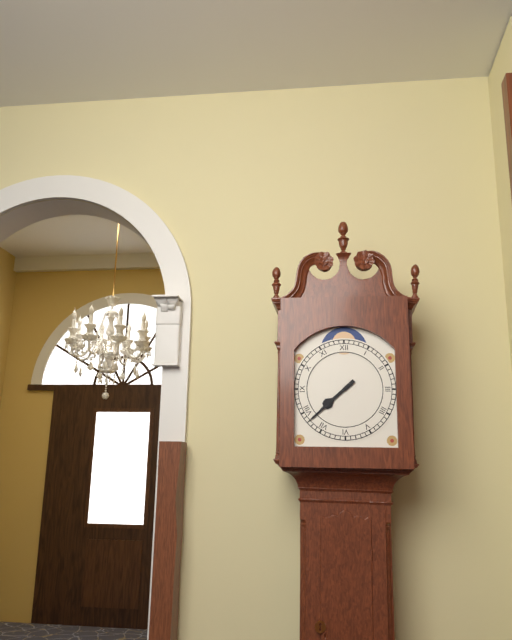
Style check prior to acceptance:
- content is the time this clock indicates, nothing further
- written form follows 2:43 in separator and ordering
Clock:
7:38
